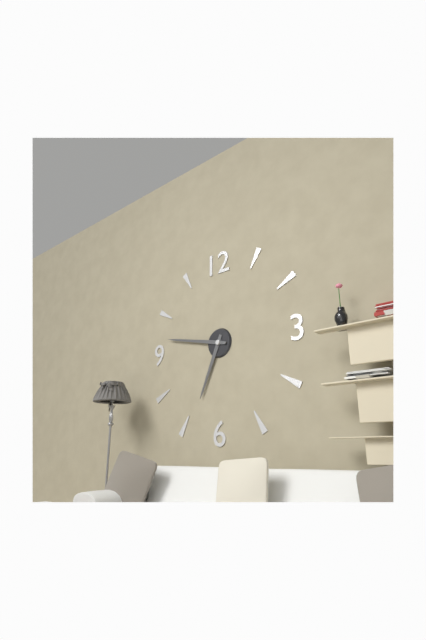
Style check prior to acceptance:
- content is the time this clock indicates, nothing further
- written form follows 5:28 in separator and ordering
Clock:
6:47
